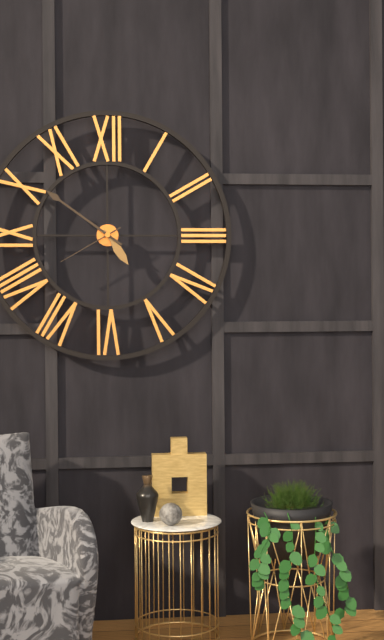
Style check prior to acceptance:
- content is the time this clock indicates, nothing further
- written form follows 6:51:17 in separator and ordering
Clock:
4:51:40
